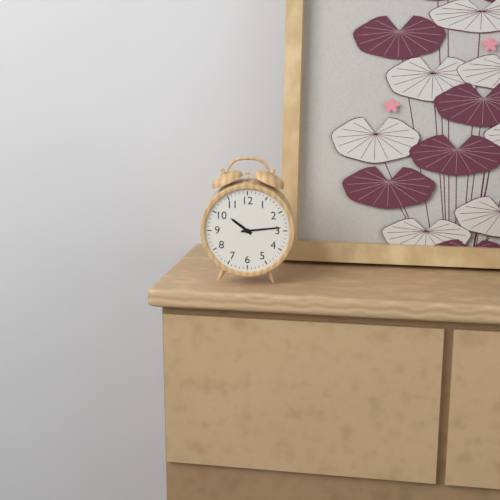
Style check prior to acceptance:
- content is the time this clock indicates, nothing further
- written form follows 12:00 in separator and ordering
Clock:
10:14
